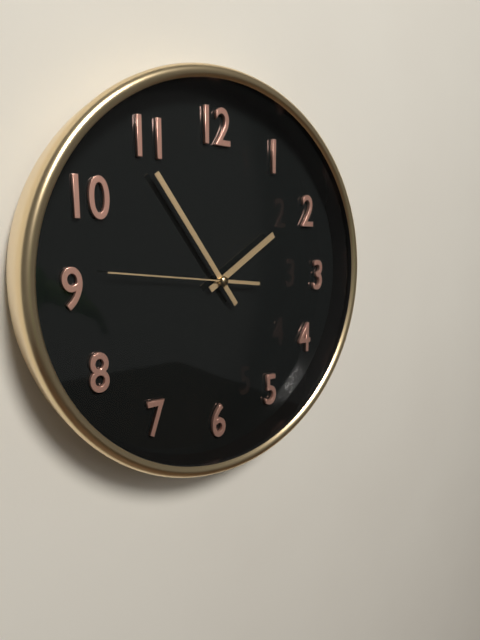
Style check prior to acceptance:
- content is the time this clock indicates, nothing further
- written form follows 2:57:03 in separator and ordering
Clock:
1:54:46
